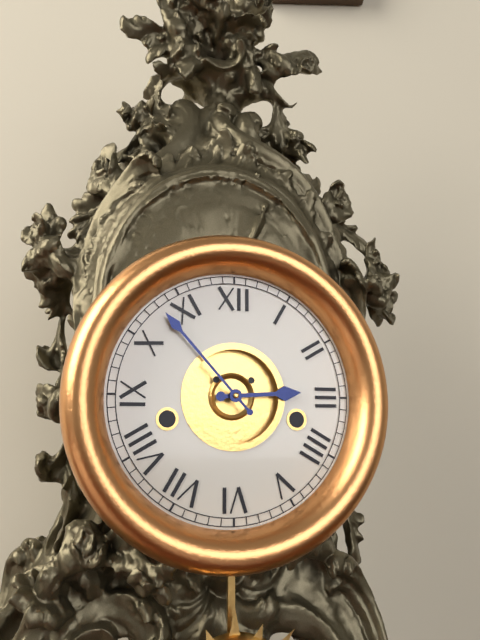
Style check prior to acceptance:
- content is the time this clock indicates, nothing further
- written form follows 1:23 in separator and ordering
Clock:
2:53
